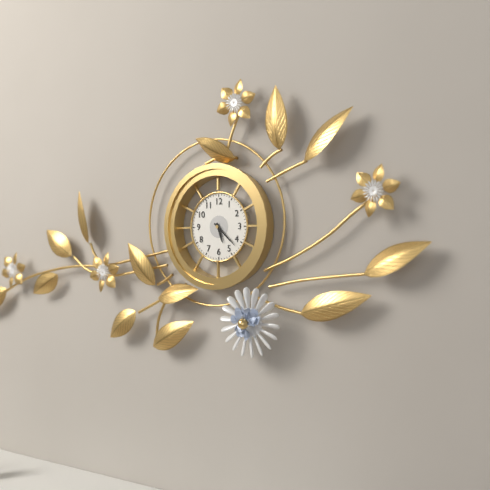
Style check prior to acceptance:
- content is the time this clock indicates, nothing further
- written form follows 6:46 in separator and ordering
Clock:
5:22
